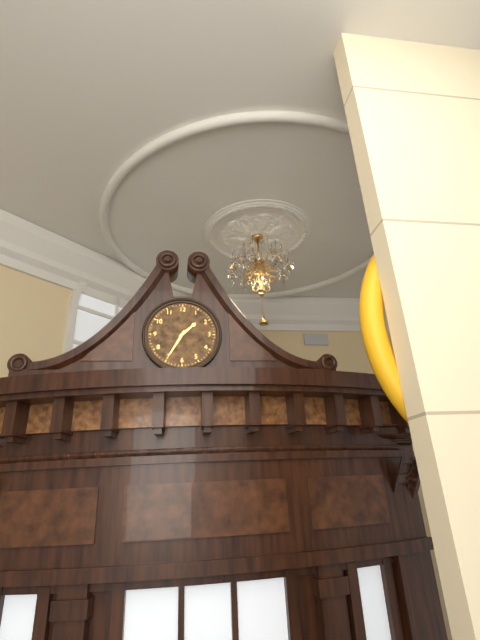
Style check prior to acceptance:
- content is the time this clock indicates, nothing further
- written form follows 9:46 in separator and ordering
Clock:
1:35
